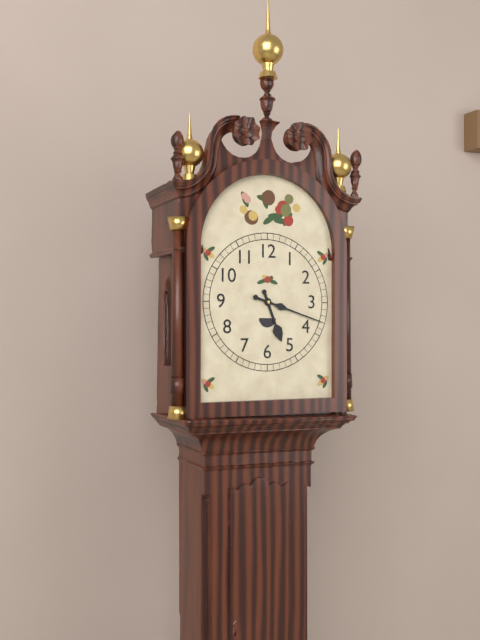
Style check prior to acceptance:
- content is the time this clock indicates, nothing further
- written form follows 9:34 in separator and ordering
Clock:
5:18
